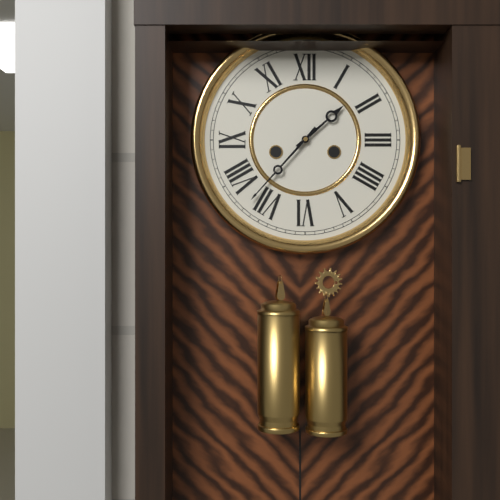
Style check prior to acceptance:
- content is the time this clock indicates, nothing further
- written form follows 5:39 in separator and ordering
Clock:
1:37
